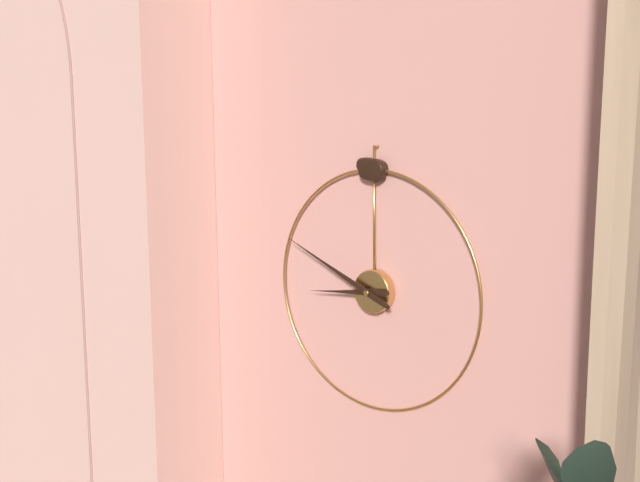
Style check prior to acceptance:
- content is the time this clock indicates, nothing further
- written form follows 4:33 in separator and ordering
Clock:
8:49
